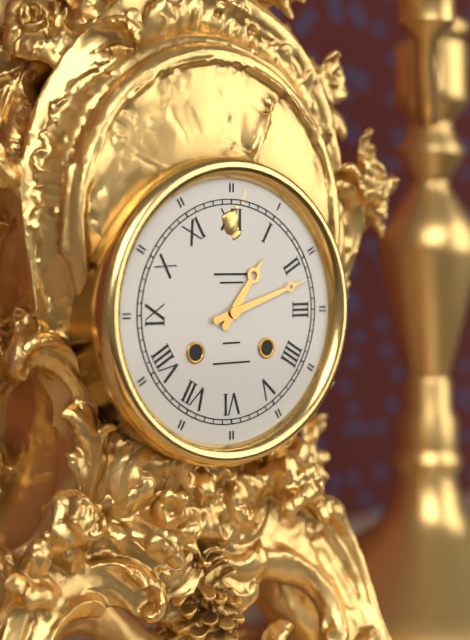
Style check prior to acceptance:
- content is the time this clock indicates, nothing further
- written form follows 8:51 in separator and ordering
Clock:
1:12
